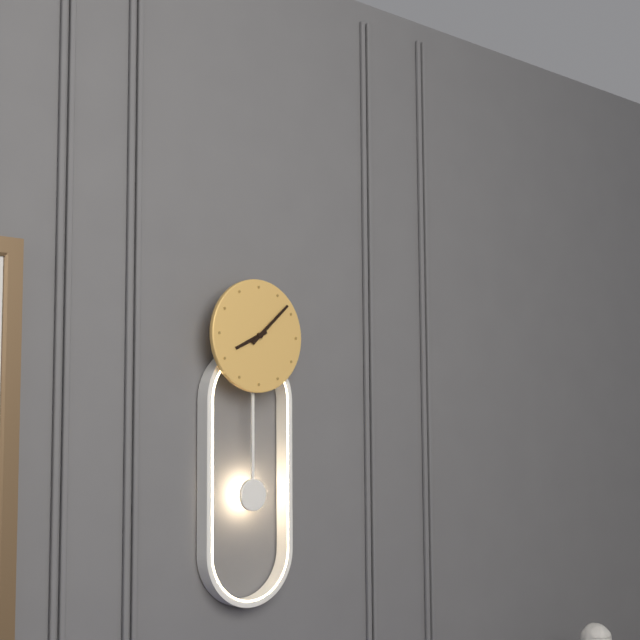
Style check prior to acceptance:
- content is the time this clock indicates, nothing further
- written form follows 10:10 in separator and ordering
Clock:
8:08
